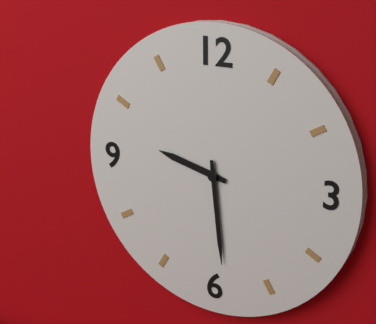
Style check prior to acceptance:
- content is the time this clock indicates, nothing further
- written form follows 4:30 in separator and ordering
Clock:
9:29
